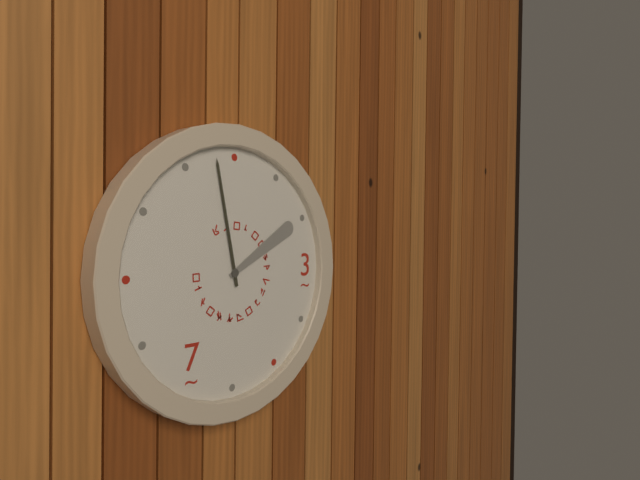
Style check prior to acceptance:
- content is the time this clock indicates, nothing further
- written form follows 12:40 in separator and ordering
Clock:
1:58
